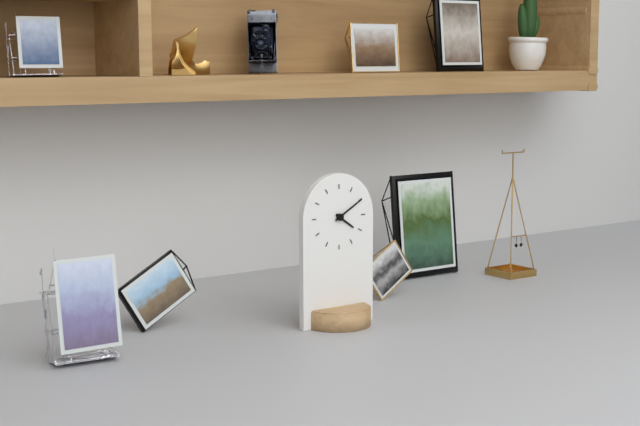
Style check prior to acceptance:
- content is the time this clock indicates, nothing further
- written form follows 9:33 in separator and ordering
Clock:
4:10
